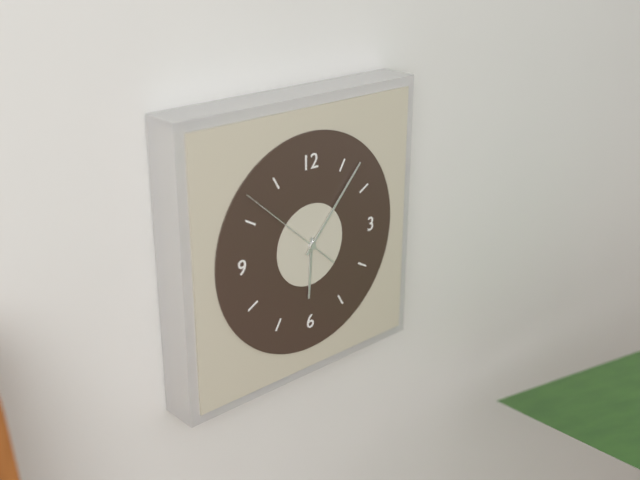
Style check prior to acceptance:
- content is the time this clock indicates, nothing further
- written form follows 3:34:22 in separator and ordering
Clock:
6:07:52
